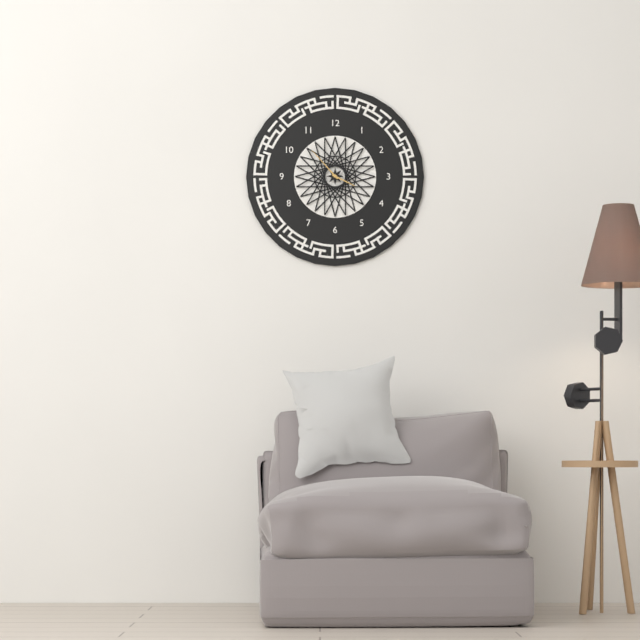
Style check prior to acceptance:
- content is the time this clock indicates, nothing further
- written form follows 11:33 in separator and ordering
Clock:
3:53
